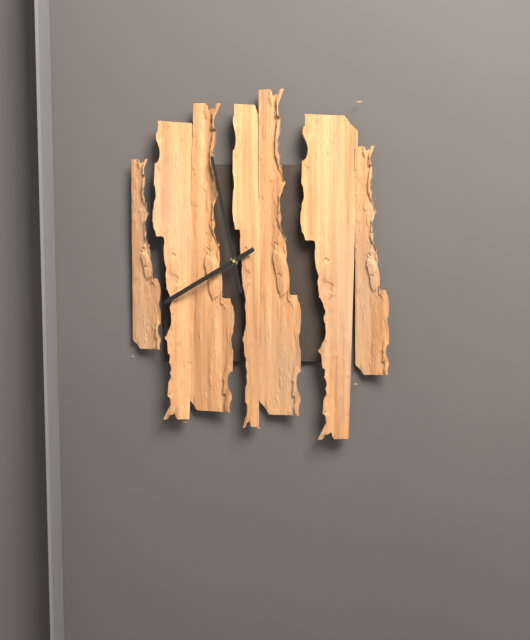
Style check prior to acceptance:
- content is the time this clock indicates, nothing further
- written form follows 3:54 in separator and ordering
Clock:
7:58
